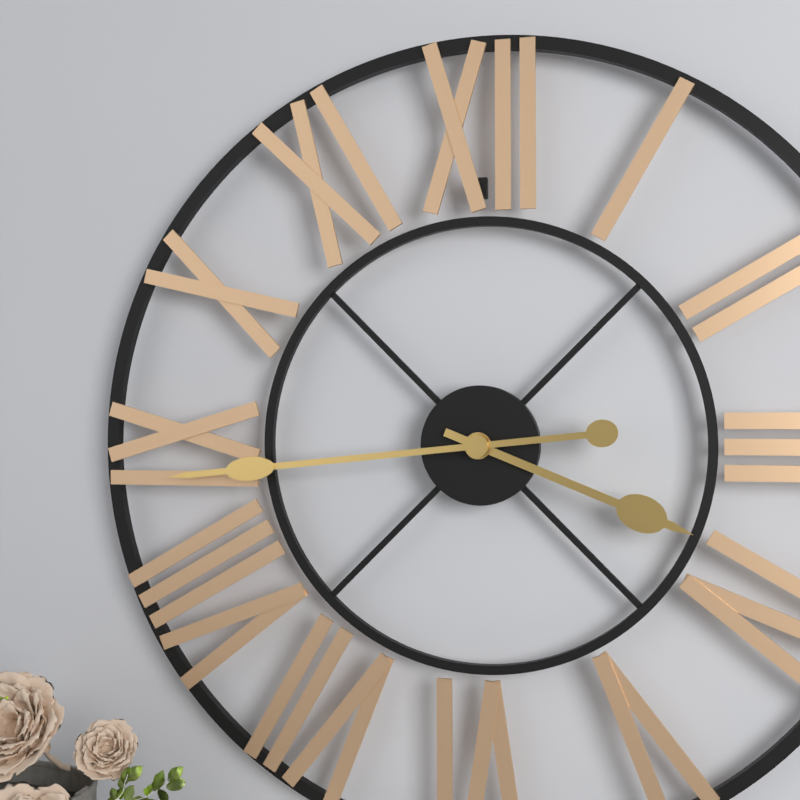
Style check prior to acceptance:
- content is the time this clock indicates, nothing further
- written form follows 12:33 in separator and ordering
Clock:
3:44
